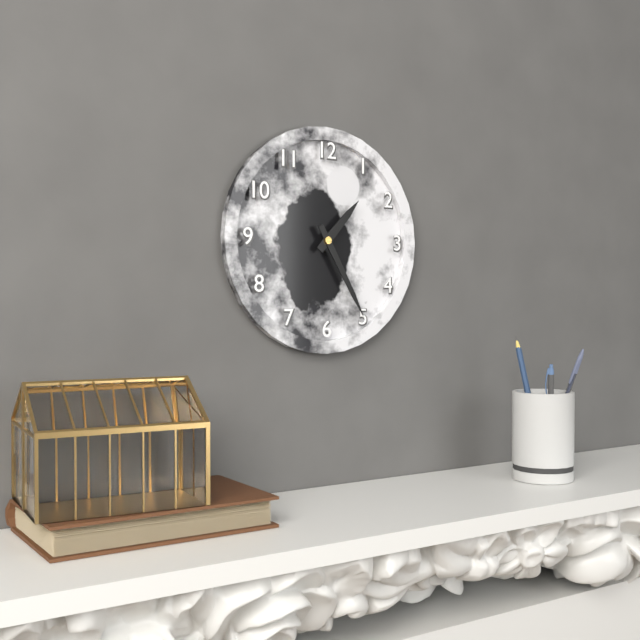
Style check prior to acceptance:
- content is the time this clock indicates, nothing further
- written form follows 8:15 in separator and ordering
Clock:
1:25
